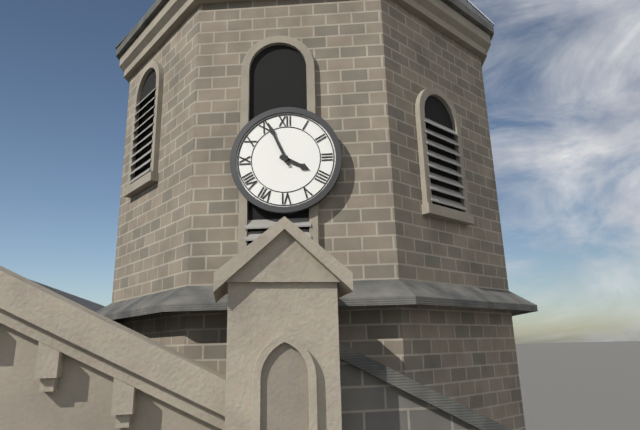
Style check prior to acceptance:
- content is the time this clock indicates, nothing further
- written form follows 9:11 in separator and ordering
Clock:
3:56
